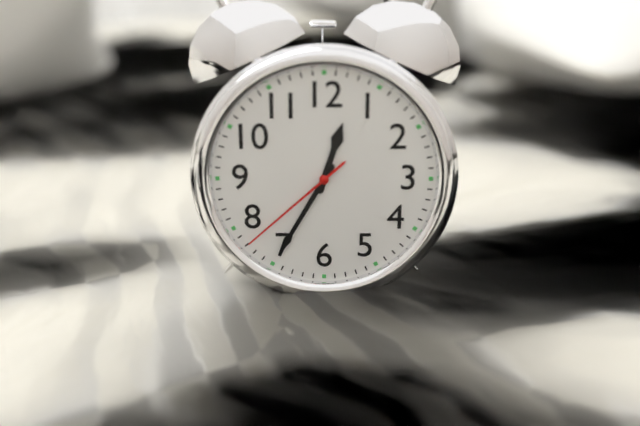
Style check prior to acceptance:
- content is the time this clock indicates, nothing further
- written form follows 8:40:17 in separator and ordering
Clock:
12:35:38
